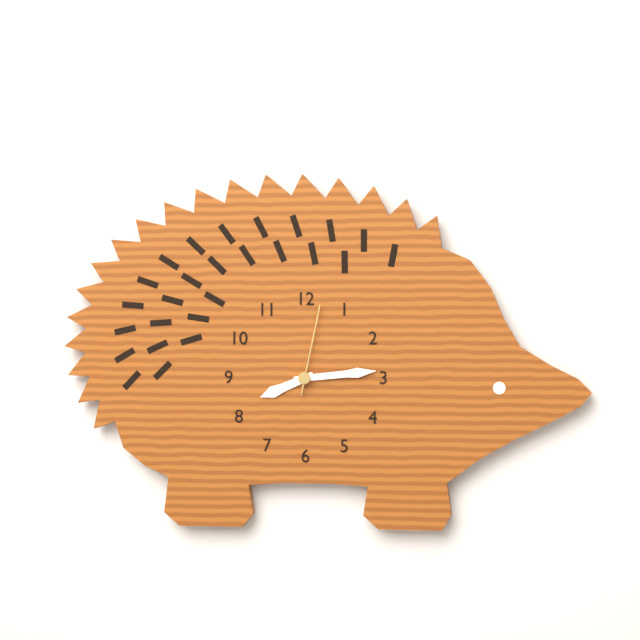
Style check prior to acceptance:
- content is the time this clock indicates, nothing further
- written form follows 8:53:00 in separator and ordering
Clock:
8:14:02
